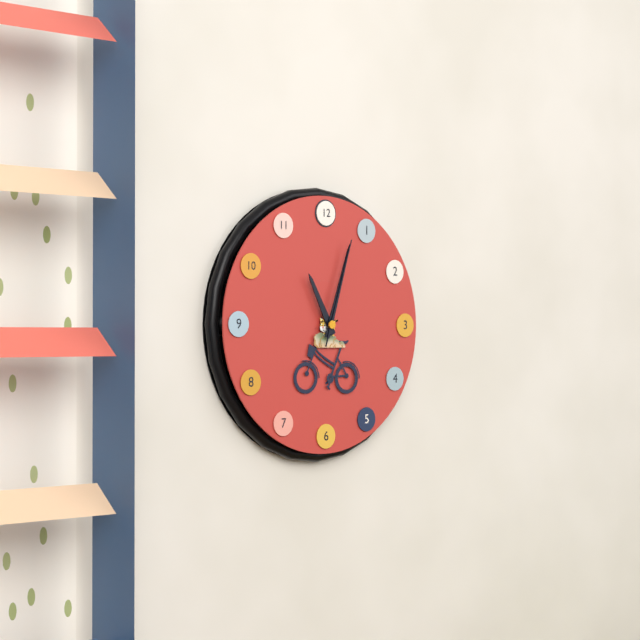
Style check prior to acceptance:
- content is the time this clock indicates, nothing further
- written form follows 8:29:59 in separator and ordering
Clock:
11:03:03
